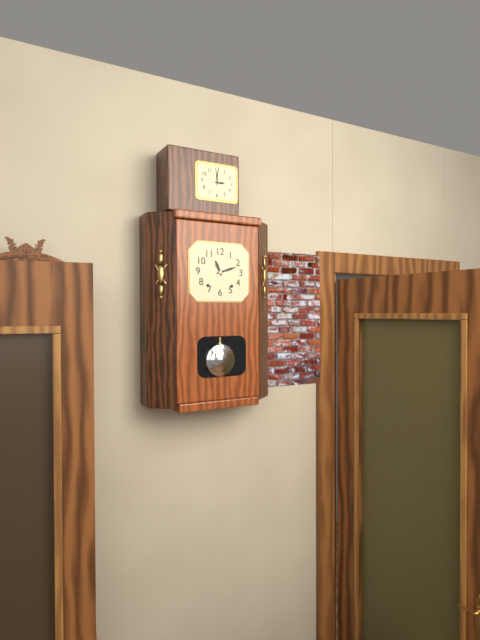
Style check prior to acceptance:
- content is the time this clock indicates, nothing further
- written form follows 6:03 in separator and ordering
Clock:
11:12
